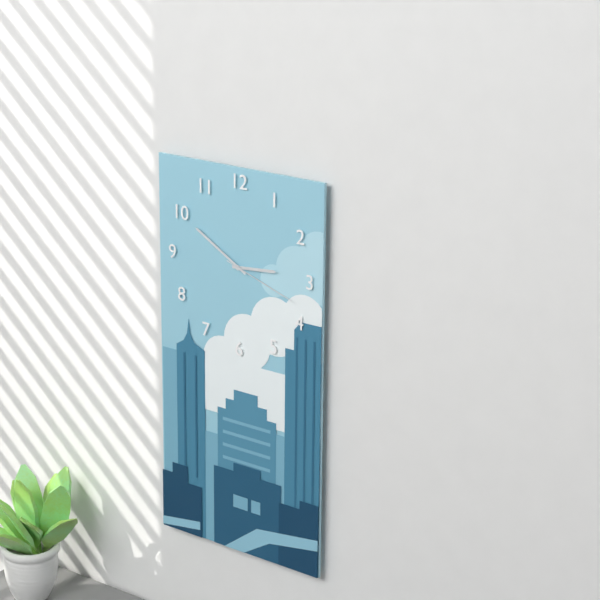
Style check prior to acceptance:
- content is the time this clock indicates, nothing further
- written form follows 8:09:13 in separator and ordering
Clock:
2:50:18
